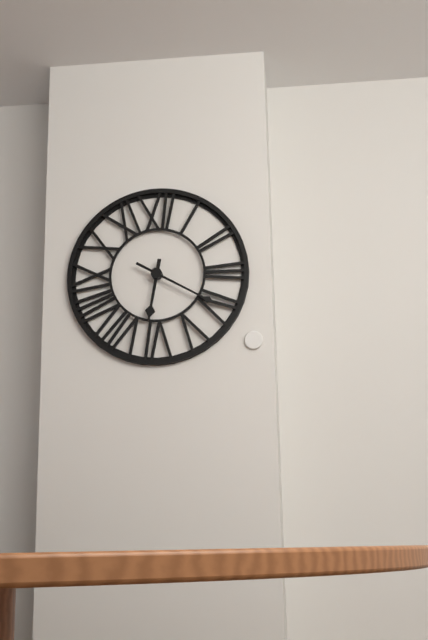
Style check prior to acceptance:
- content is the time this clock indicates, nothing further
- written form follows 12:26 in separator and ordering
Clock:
6:20
